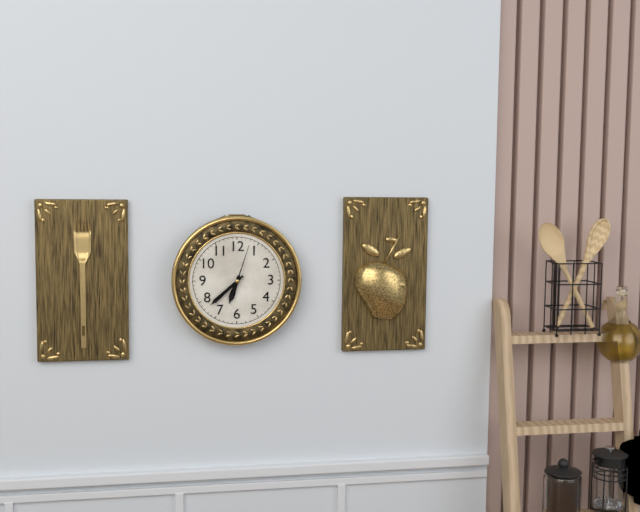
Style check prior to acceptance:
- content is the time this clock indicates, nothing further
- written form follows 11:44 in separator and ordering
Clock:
6:38
